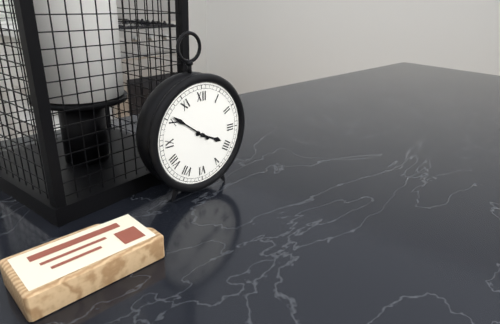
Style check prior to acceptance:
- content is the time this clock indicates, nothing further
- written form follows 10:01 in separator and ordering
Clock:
3:51
